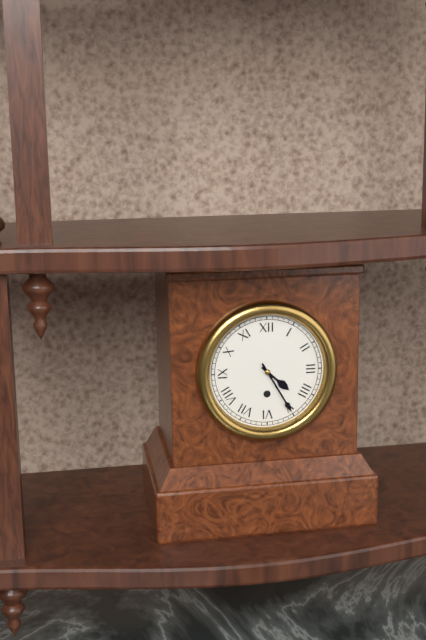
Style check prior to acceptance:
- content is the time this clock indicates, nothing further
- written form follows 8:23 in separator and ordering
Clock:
4:25
